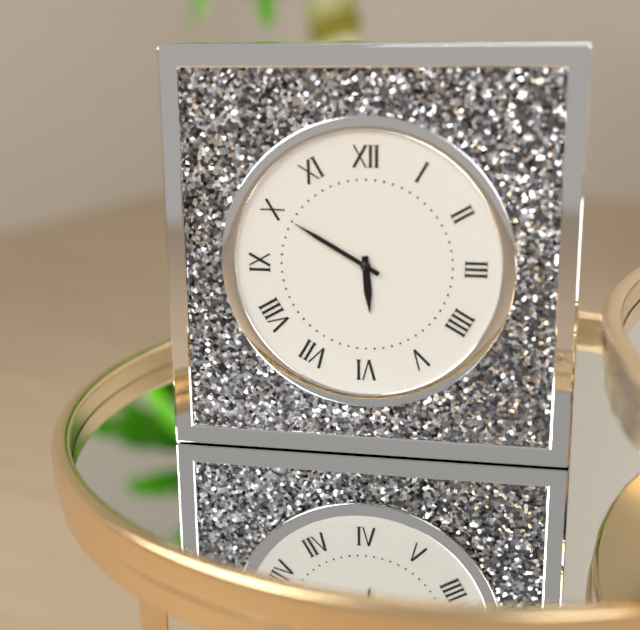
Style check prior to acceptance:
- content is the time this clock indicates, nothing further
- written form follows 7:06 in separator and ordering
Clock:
5:50
